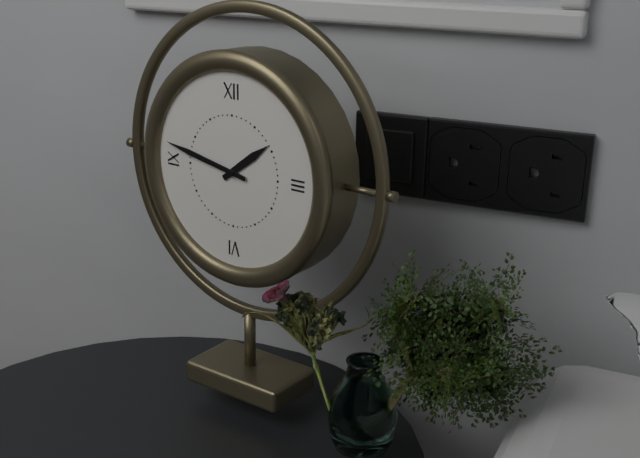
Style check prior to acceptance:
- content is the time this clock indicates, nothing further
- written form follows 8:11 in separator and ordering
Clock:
1:47
